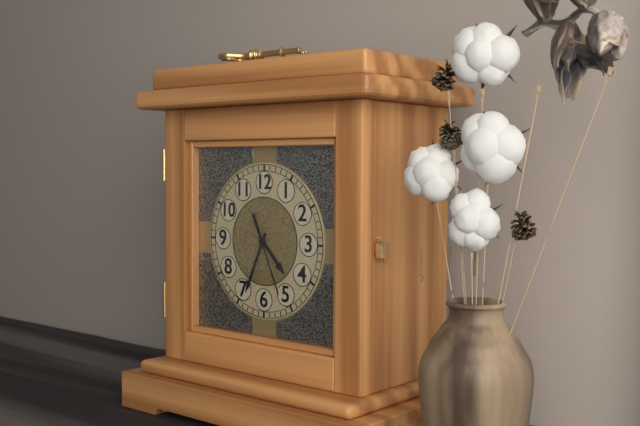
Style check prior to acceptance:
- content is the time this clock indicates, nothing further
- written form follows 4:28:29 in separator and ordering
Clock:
4:34:26
